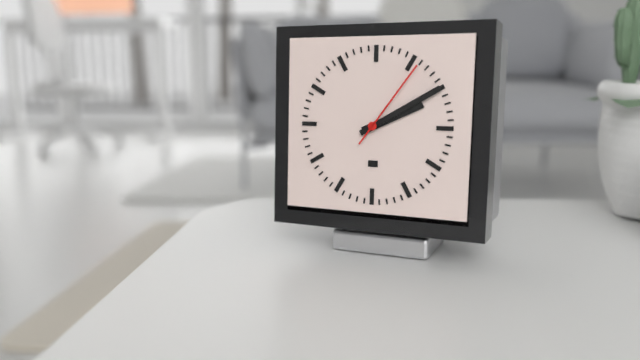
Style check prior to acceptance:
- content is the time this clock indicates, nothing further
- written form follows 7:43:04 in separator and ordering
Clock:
2:10:06
